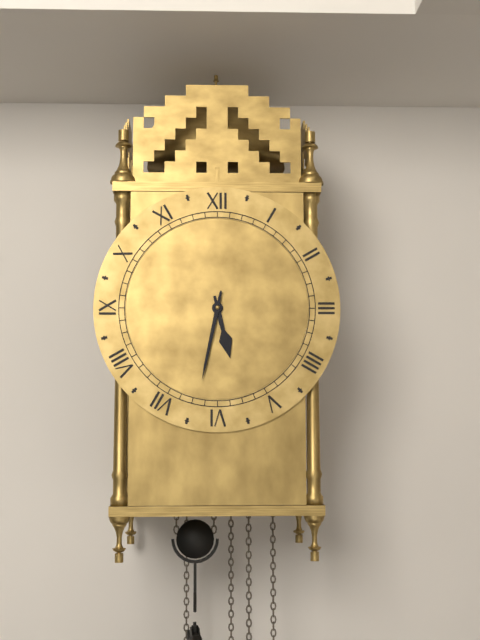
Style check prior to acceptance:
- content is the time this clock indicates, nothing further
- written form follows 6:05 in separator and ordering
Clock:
5:32
